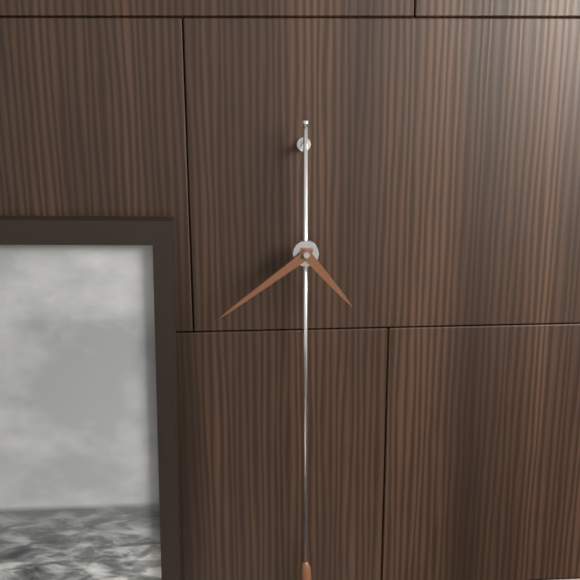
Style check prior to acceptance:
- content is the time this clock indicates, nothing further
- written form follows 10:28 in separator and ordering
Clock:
4:39
